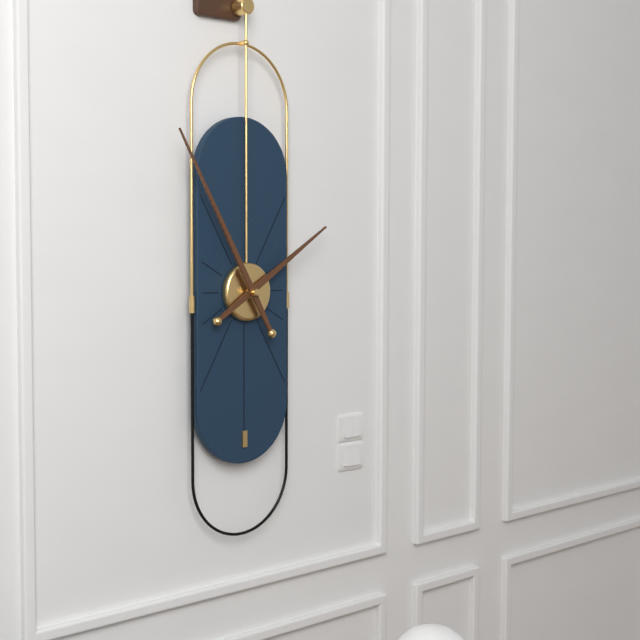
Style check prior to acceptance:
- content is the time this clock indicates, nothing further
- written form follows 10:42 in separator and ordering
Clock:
1:55
